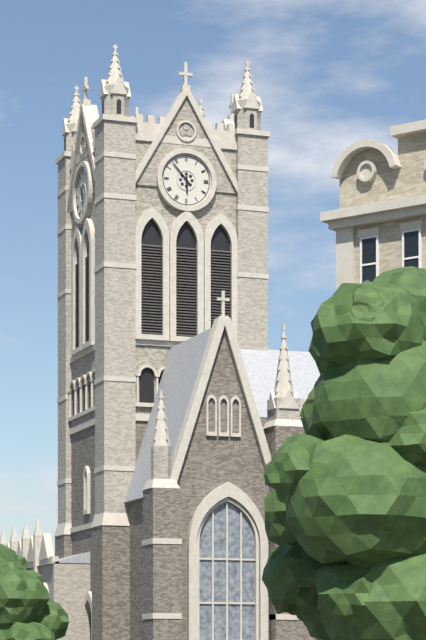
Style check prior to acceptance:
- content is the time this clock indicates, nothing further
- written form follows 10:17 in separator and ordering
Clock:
5:53
